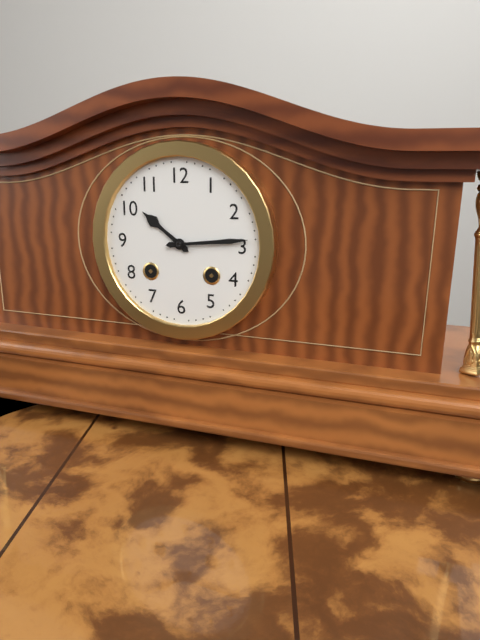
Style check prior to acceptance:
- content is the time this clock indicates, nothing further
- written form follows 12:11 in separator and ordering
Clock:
10:14
